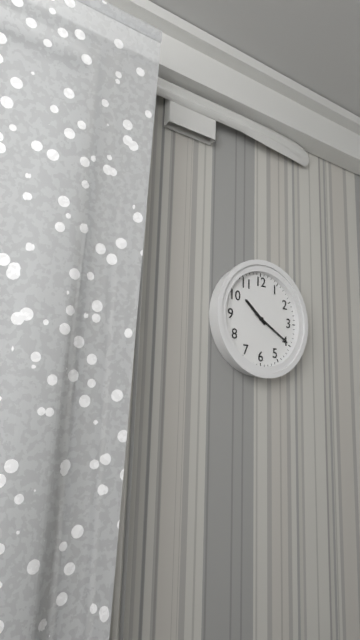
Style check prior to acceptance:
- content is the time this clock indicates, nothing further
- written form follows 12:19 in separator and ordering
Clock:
10:20
